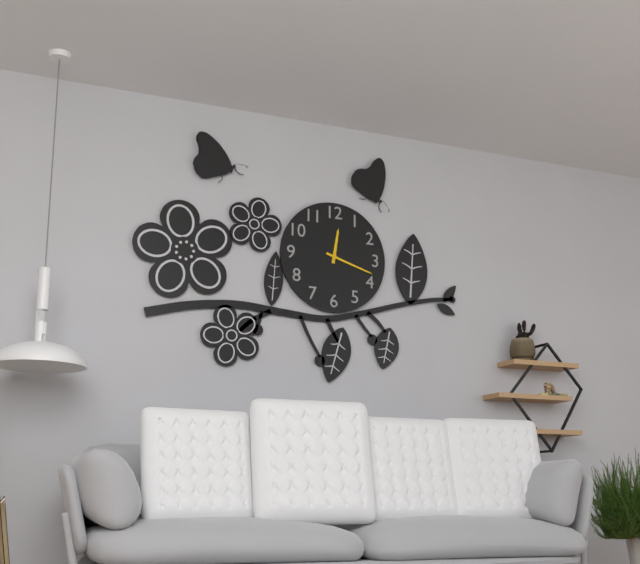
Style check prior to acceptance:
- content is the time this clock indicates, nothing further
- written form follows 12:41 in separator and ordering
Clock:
12:18
